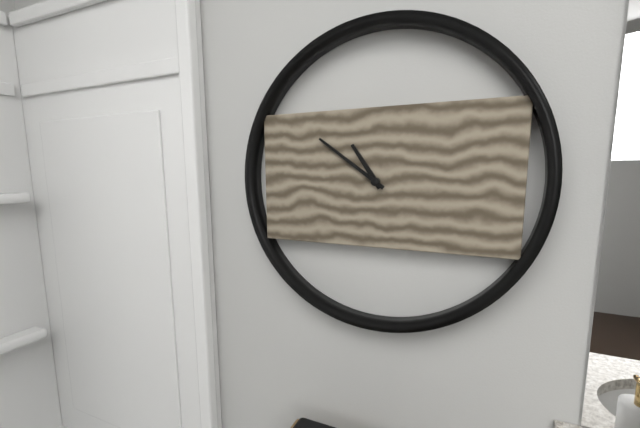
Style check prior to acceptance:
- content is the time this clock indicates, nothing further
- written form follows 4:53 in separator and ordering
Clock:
10:51
